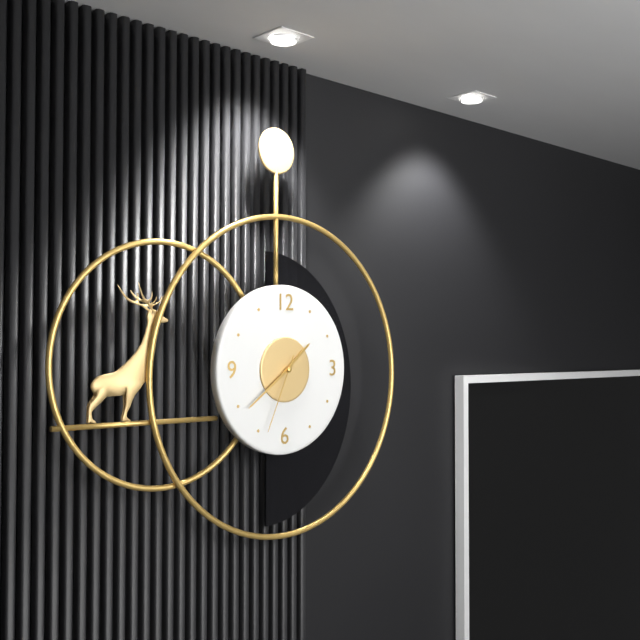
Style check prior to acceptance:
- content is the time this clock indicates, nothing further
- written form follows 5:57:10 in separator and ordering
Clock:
1:39:34
